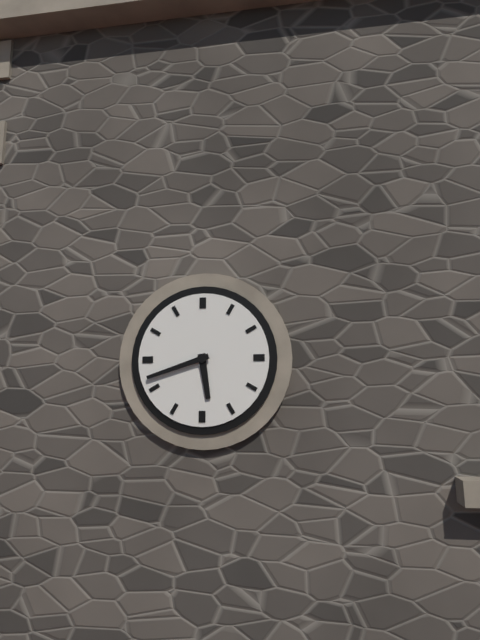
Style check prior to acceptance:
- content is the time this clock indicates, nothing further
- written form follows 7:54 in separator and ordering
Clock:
5:42
